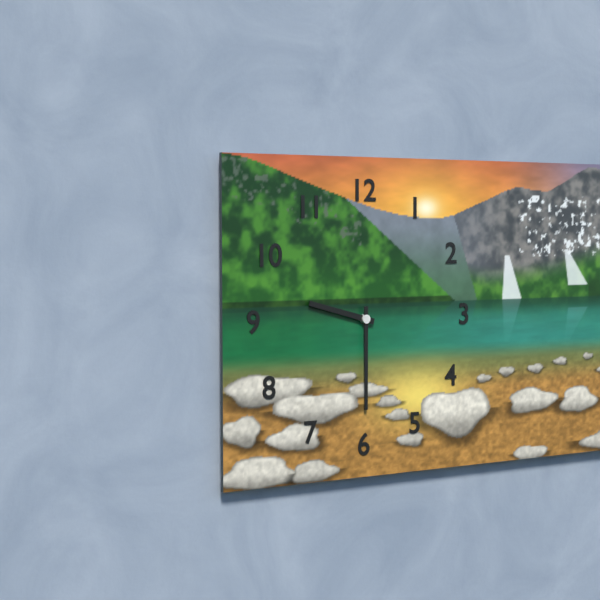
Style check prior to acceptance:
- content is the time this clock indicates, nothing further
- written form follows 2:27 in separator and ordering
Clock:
9:30
